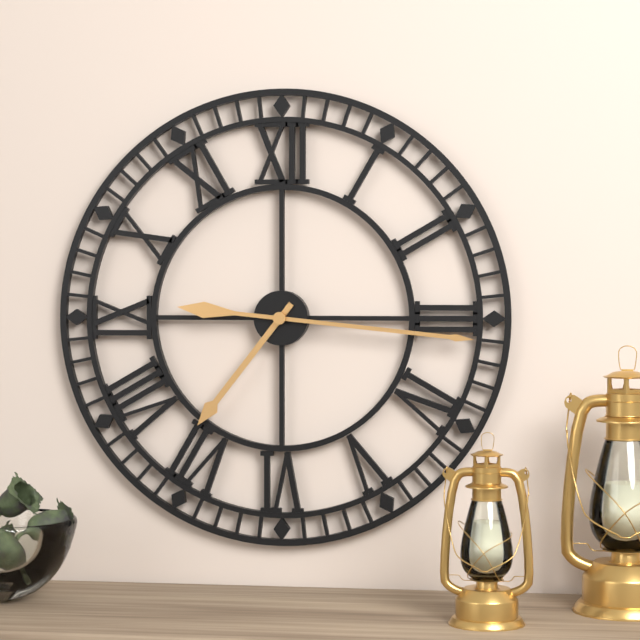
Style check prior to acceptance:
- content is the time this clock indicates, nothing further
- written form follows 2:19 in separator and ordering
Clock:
7:16
